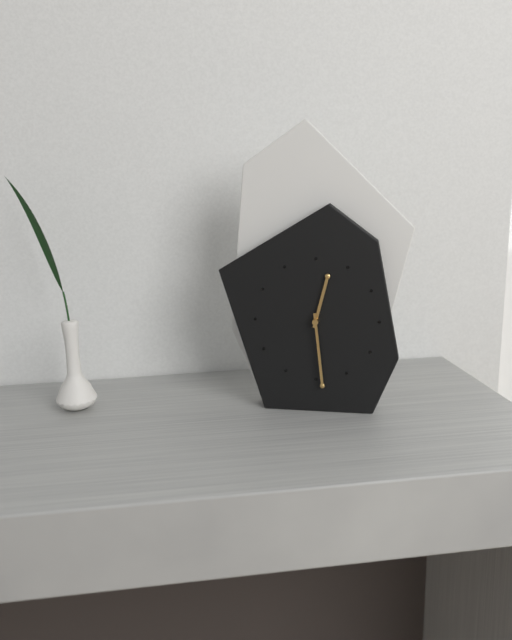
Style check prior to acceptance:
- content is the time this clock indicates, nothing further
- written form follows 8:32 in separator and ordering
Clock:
12:29
